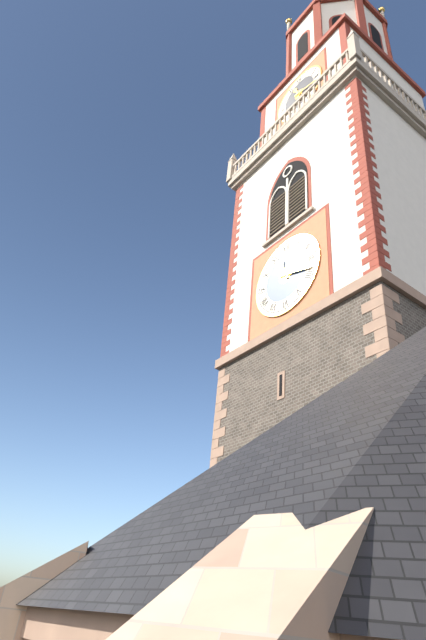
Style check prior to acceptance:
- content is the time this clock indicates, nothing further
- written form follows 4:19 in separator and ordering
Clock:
11:18
